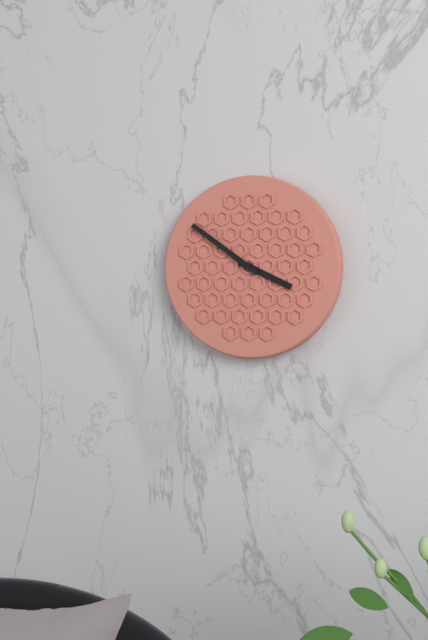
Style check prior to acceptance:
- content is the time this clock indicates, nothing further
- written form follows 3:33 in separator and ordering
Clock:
3:51
